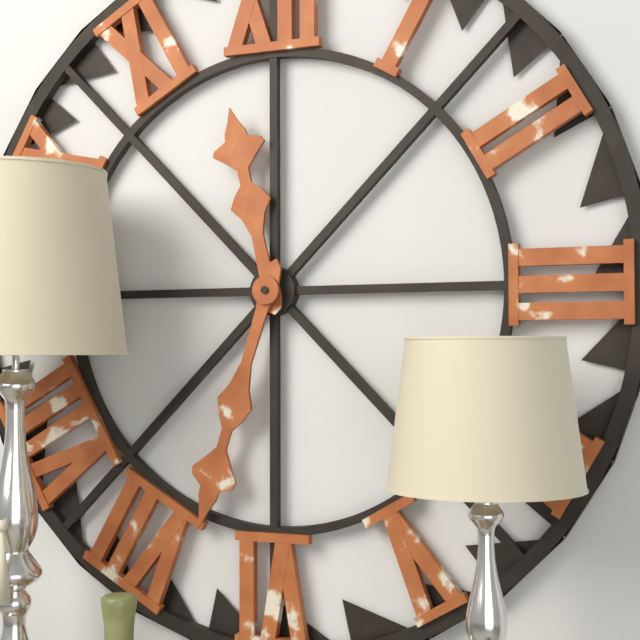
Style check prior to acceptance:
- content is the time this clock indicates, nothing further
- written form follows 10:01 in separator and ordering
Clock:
11:33
